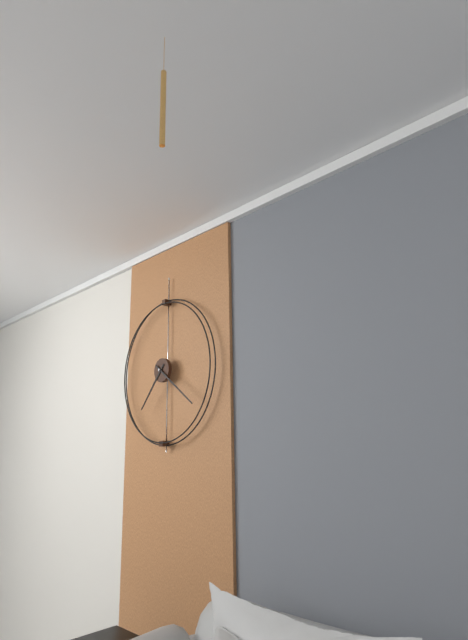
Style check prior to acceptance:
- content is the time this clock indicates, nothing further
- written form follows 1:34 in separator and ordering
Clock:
7:21
